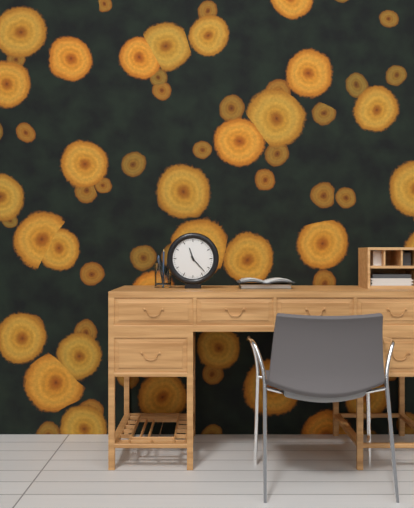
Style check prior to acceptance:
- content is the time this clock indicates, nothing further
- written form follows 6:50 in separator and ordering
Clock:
11:23
